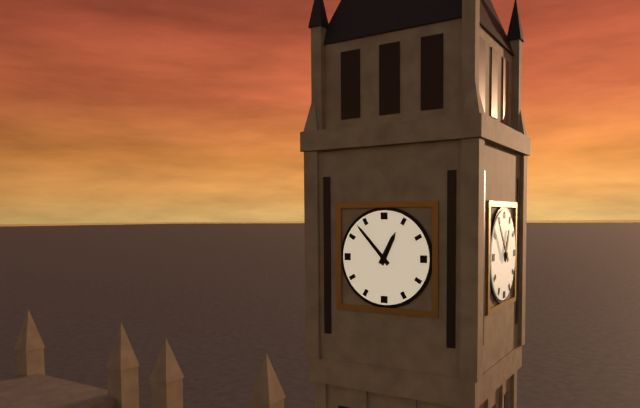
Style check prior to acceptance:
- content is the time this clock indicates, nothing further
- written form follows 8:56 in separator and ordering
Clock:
12:53
